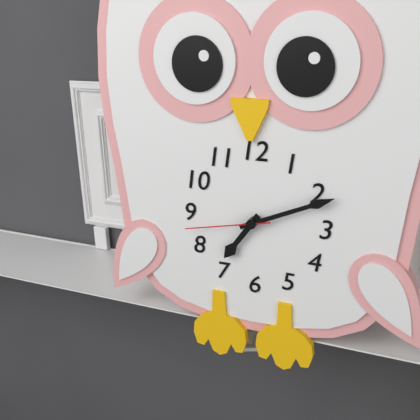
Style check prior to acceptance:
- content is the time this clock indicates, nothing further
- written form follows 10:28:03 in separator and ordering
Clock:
7:11:43
